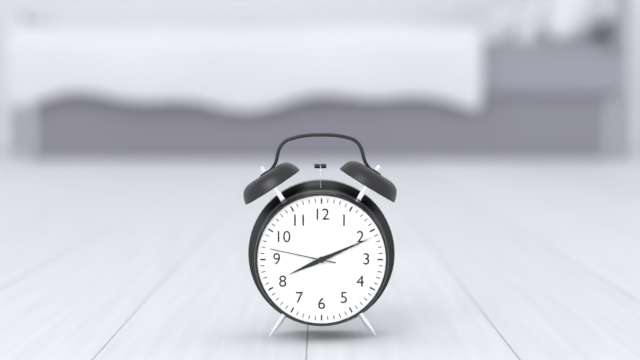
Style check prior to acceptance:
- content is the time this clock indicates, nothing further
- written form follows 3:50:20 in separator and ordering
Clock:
8:11:47
